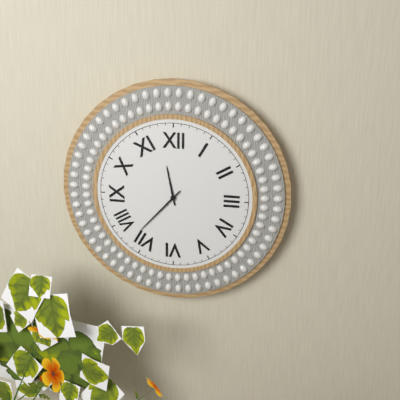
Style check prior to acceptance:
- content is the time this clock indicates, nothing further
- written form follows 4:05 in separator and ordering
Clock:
11:37
